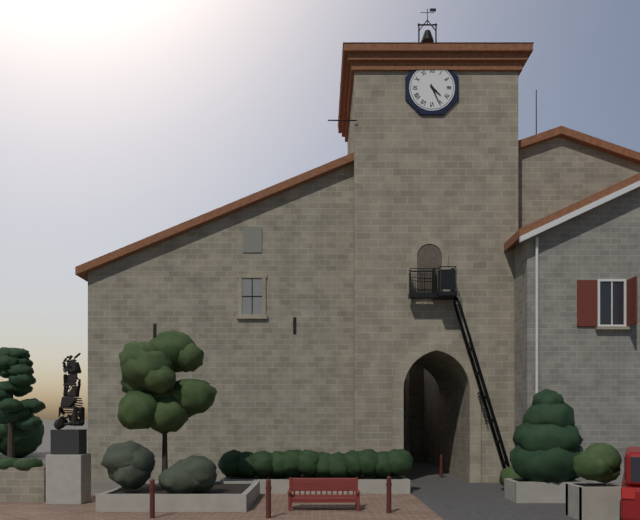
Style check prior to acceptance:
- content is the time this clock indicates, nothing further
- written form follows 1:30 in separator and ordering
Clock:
4:26
